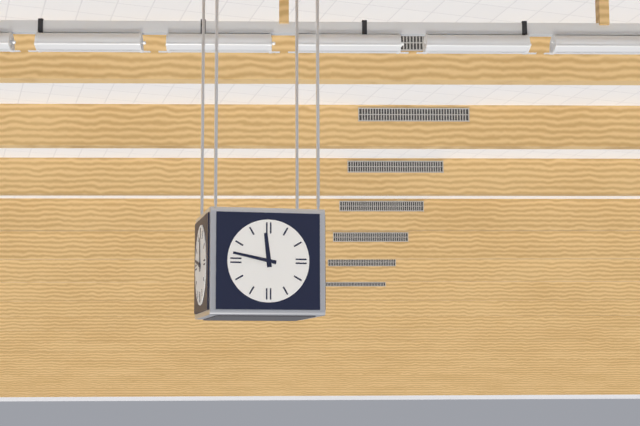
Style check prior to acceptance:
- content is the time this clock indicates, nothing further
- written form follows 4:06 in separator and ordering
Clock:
11:47
